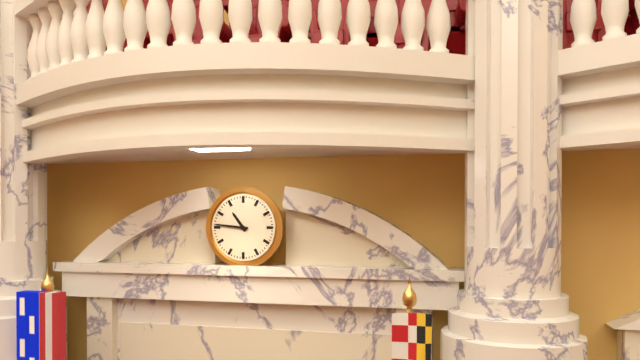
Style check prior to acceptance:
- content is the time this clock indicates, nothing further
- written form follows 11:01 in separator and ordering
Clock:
10:46
